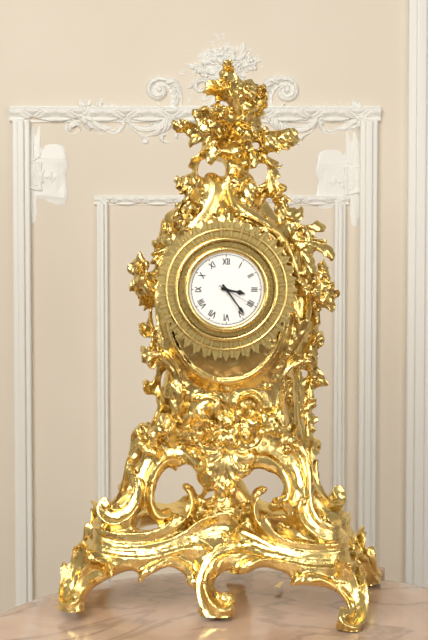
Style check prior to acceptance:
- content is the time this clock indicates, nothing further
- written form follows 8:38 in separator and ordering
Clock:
3:24
